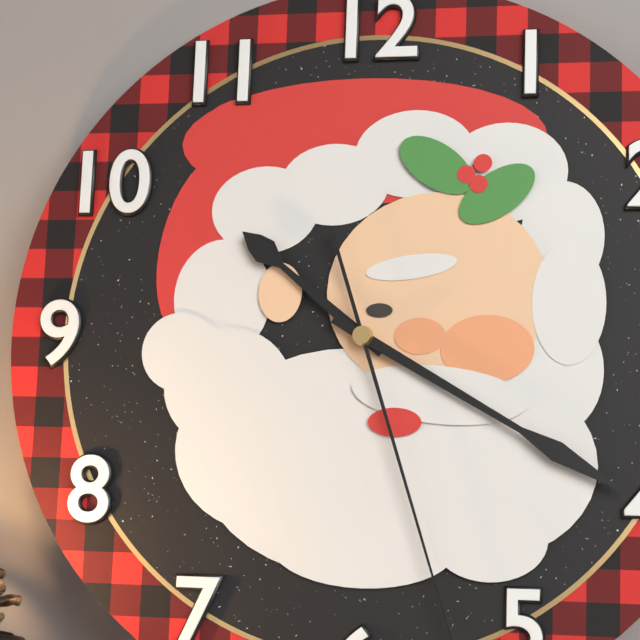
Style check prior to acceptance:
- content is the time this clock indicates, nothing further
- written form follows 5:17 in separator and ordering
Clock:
10:20
